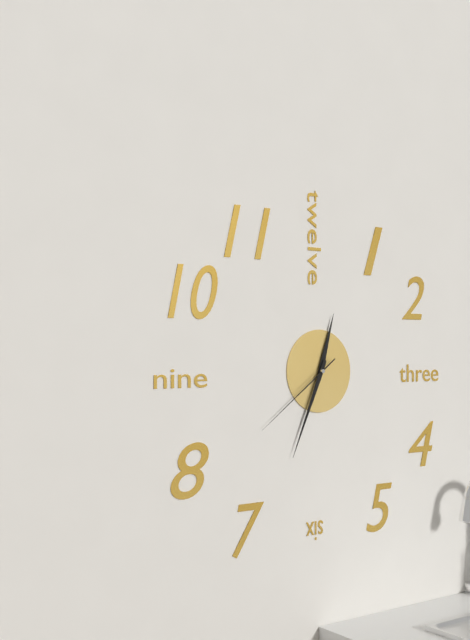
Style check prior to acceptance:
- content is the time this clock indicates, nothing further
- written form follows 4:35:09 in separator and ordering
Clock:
12:34:39
